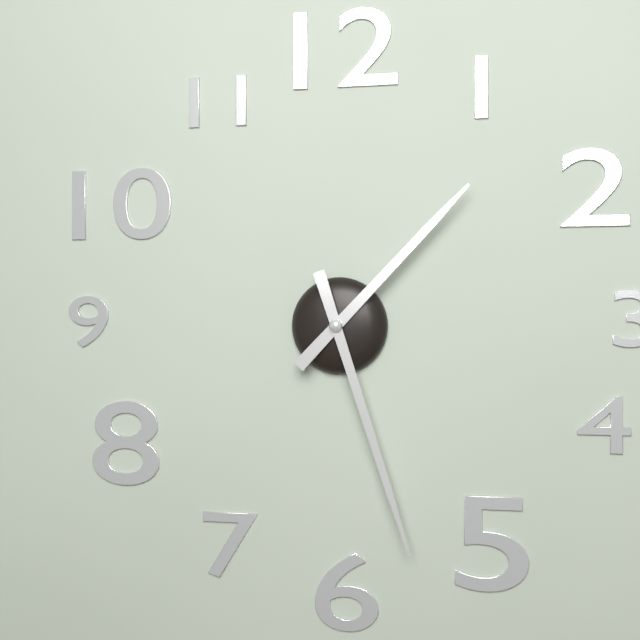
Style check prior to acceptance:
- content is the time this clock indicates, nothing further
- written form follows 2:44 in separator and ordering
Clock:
1:27
